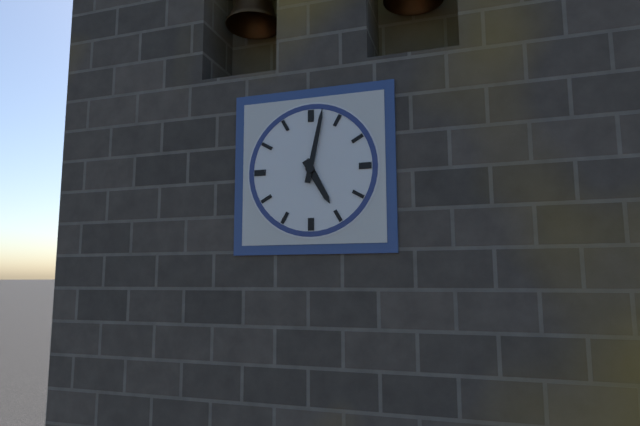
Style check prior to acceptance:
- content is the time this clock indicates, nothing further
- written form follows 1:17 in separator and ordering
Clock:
5:02
